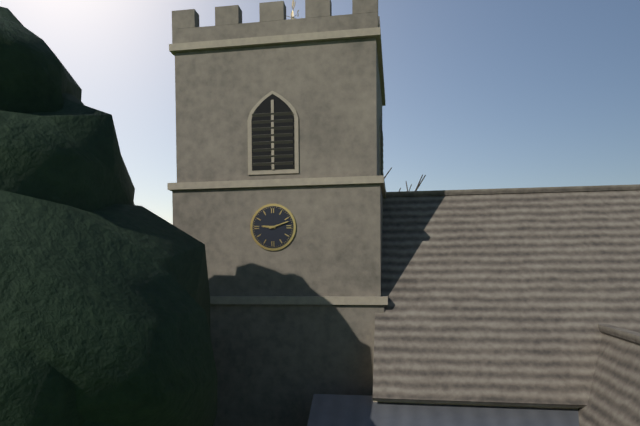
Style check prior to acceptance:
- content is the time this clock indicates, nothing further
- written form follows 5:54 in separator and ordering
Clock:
9:12
